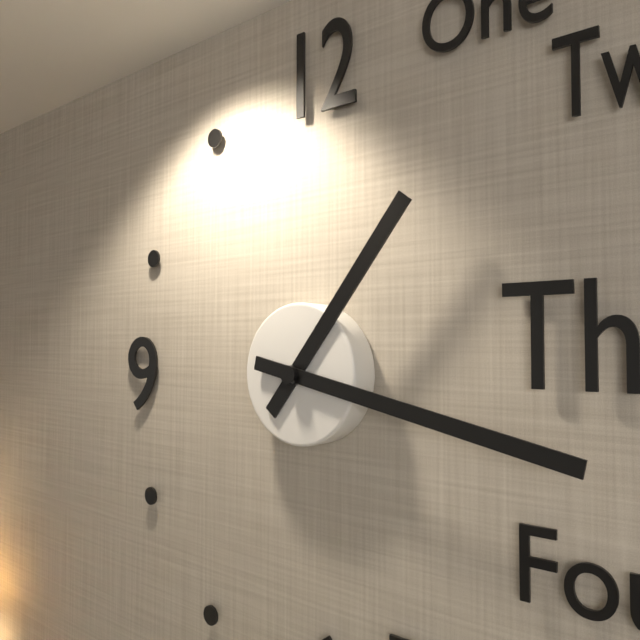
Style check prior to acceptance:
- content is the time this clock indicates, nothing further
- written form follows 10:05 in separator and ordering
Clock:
1:17
